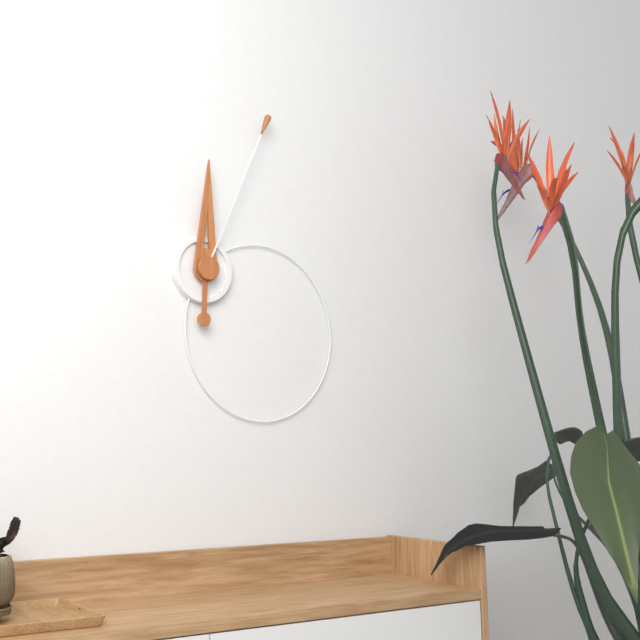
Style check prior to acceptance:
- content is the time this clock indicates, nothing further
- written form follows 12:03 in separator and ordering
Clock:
12:04
